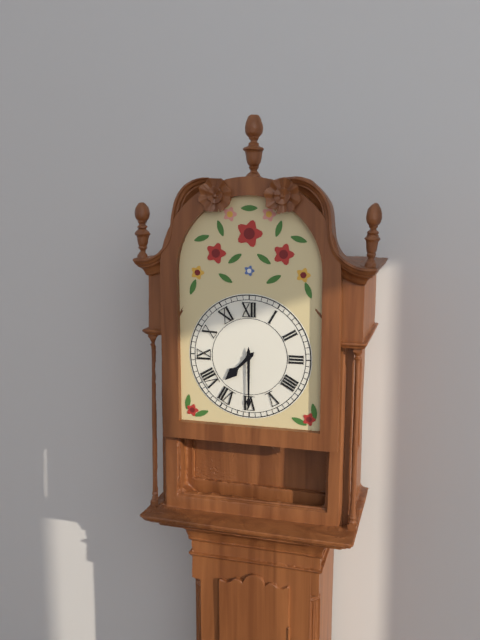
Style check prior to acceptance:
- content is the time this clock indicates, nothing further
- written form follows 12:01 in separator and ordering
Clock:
7:30
